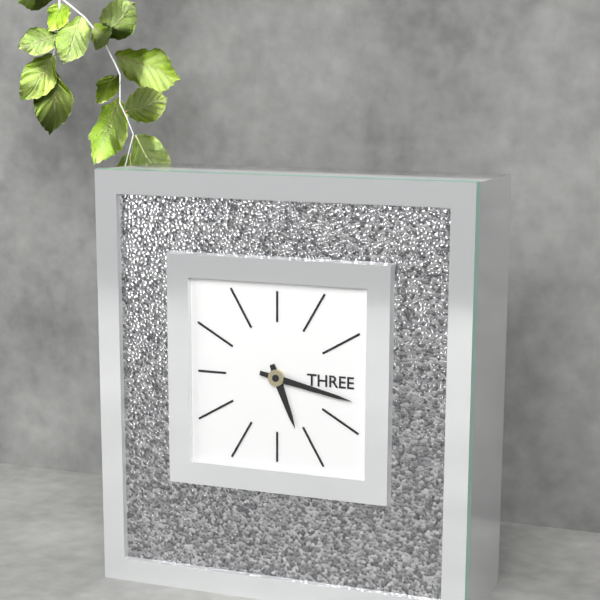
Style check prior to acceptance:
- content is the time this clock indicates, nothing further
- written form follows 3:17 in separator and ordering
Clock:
5:17
